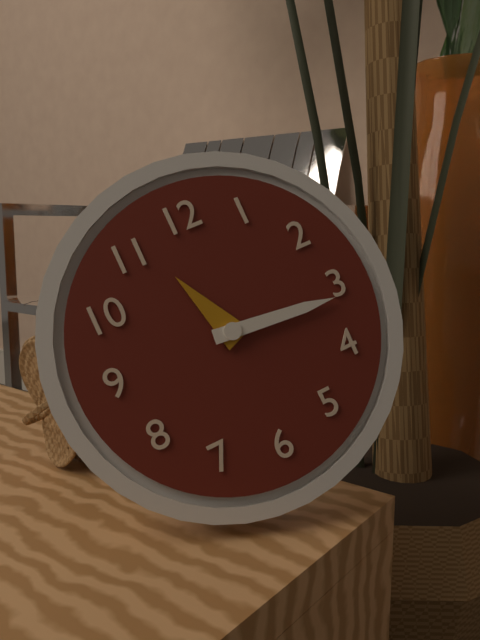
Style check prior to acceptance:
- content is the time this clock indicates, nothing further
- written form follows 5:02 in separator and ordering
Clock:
11:16
